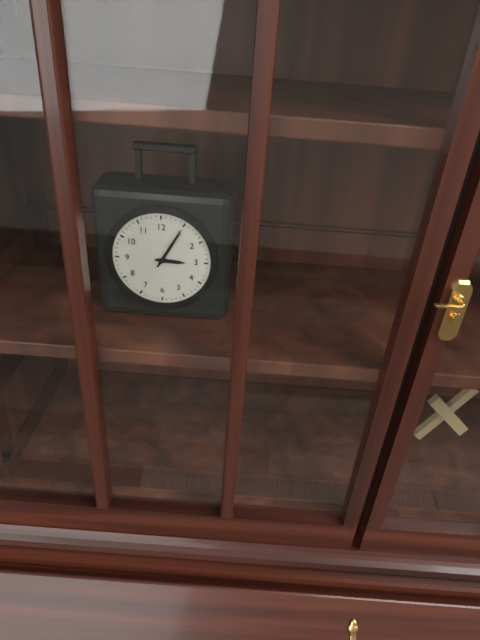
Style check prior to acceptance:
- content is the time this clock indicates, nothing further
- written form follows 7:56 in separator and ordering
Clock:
3:05
